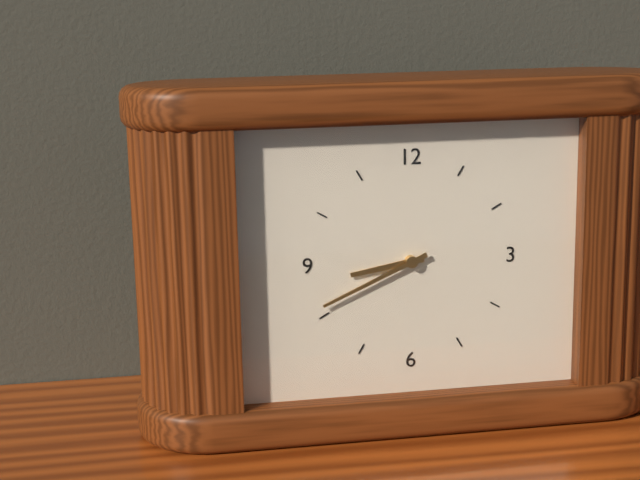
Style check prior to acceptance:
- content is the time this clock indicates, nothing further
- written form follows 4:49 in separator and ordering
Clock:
8:41
